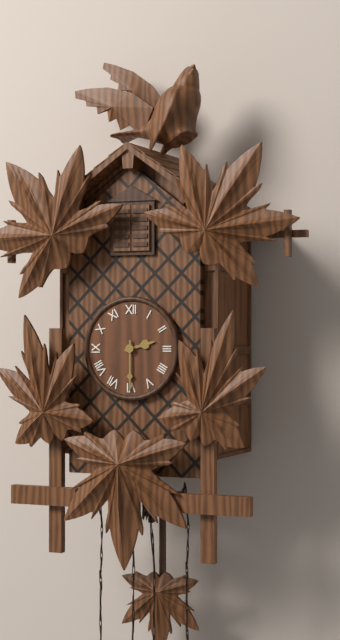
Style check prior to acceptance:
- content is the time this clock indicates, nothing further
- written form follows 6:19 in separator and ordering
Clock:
2:30
